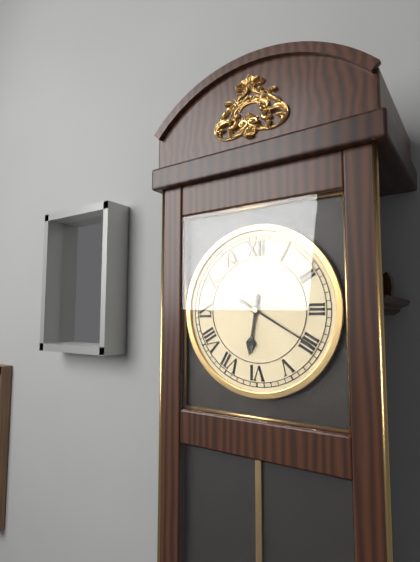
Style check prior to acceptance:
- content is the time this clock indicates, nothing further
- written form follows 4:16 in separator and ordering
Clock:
6:20
